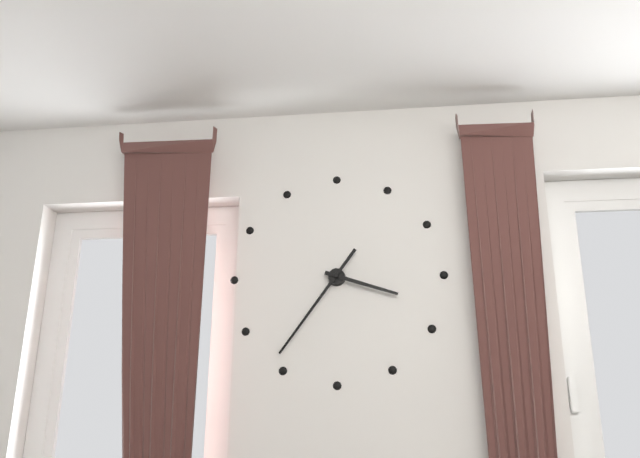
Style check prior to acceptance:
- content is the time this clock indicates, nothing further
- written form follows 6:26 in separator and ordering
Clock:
3:36
